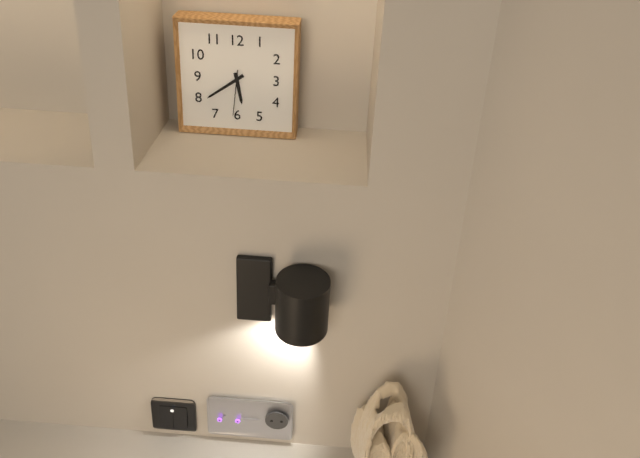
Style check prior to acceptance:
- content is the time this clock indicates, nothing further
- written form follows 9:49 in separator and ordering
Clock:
5:39
